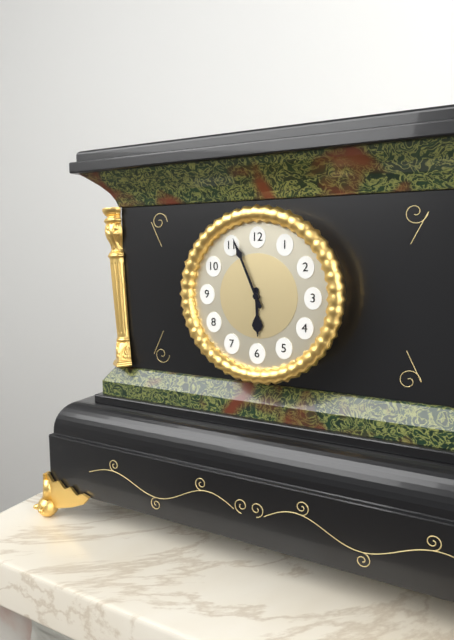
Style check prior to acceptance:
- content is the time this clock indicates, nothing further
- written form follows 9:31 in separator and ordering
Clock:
5:56
